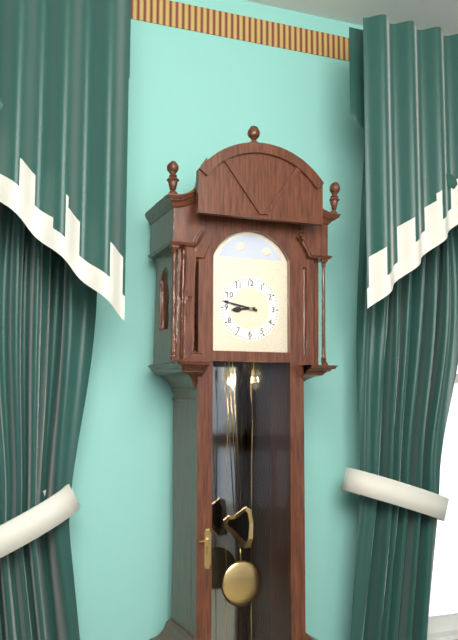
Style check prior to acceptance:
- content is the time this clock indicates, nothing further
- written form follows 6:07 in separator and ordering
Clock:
8:47
